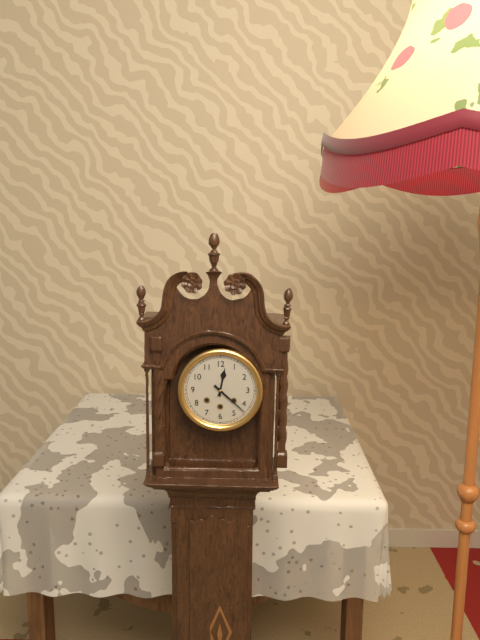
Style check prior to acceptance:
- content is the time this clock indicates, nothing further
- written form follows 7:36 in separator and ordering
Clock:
12:22
